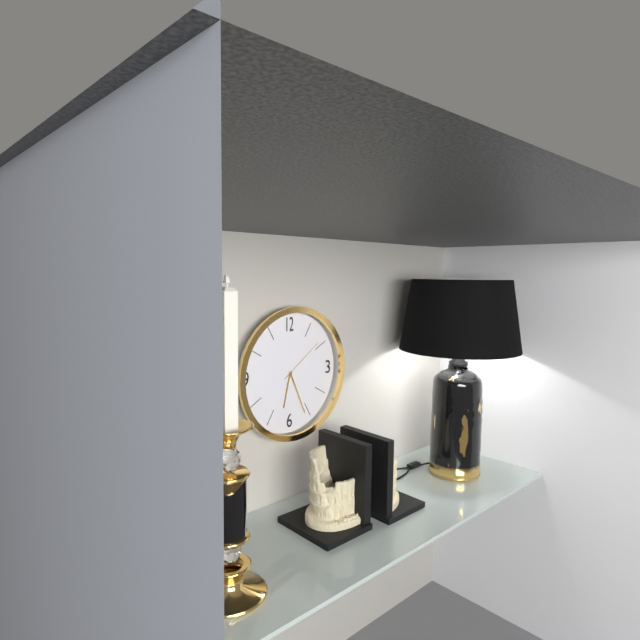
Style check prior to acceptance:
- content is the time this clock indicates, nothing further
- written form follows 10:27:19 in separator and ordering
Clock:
6:26:09
